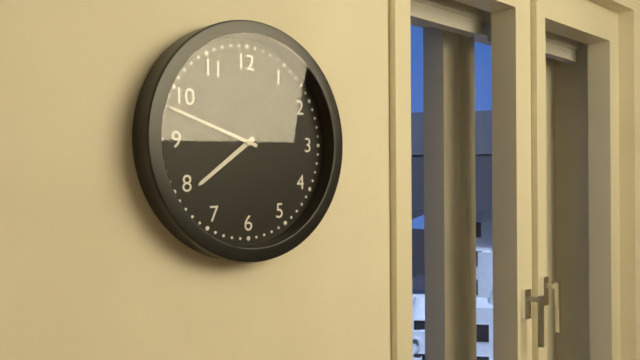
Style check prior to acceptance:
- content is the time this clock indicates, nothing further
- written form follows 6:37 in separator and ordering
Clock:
7:48
